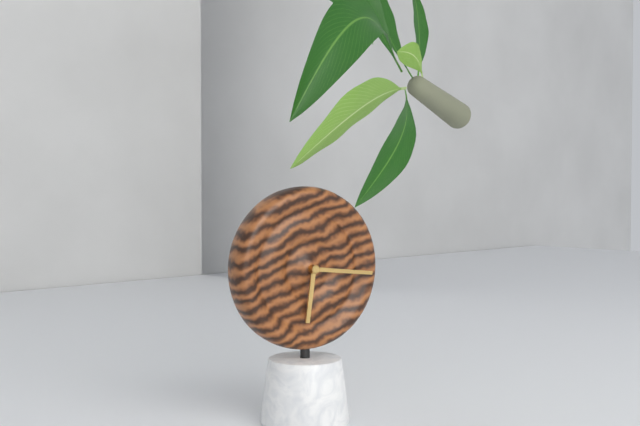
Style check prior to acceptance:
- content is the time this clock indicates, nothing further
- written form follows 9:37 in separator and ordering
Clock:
6:16
